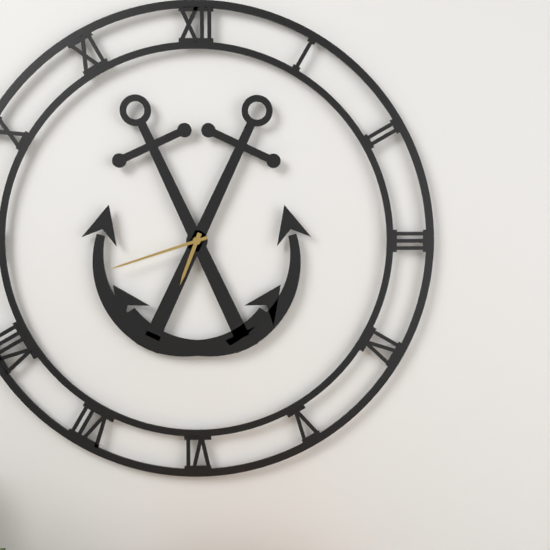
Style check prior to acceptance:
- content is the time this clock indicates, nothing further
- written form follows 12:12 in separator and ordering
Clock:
6:42
